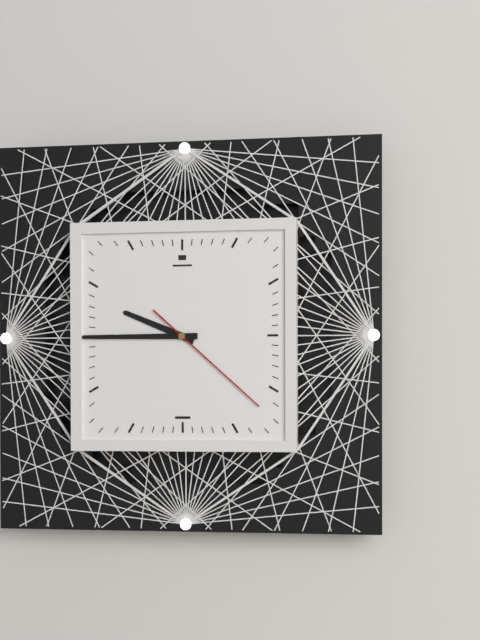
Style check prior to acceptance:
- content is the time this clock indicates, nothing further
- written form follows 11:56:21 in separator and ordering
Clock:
9:45:22
